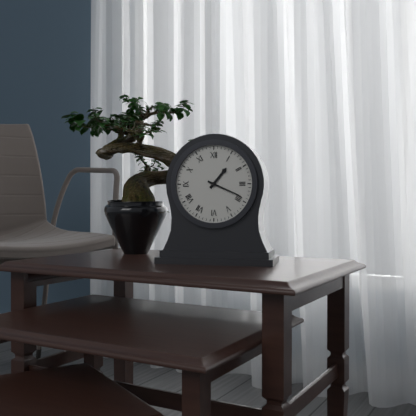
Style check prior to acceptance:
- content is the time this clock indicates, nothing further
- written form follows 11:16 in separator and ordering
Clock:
1:19
